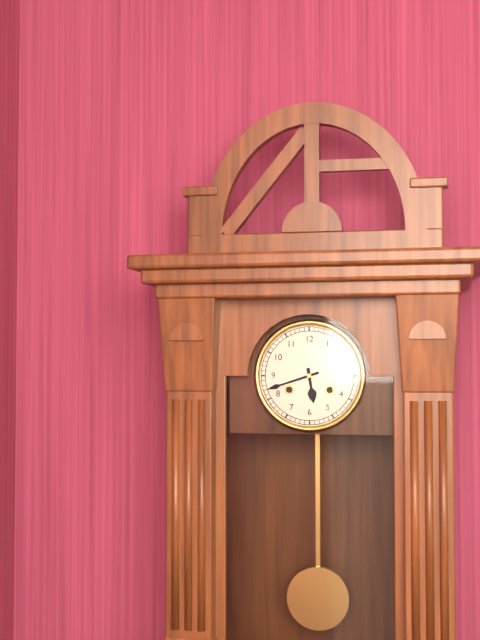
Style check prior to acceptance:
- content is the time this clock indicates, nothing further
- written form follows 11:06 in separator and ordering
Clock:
5:42
